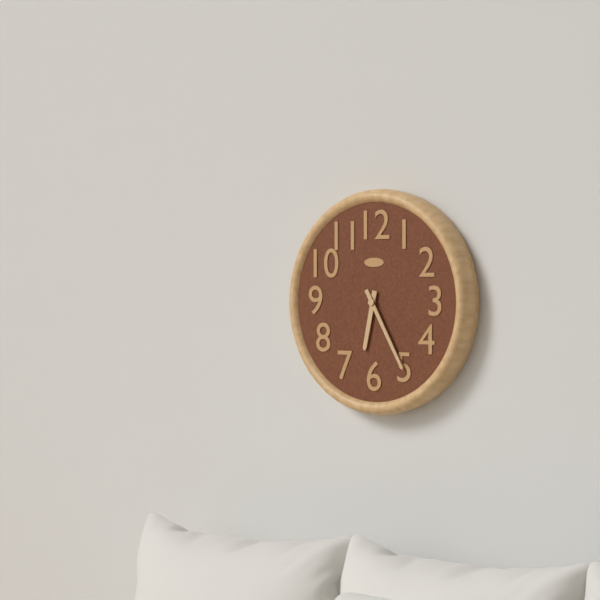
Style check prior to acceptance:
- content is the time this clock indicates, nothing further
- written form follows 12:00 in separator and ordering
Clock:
6:25
